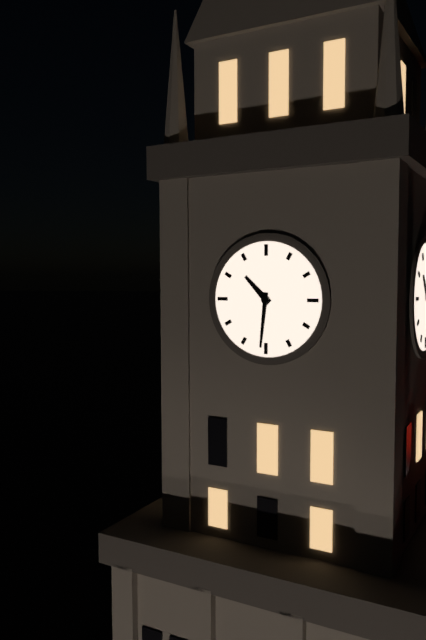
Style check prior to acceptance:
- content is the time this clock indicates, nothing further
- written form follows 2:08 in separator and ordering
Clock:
10:31
